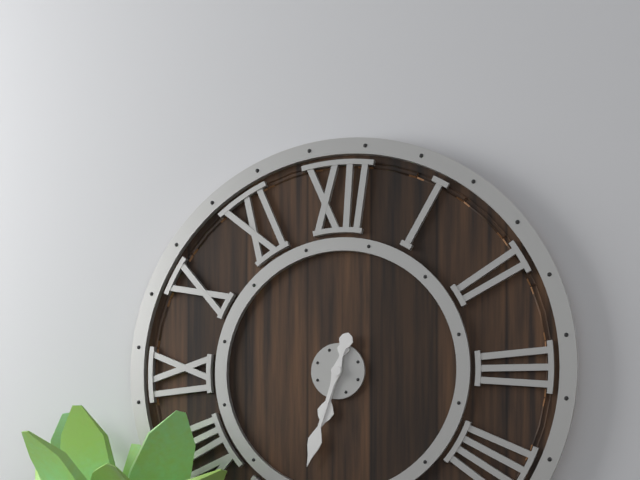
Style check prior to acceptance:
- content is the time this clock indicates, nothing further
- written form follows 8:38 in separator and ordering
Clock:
6:33
